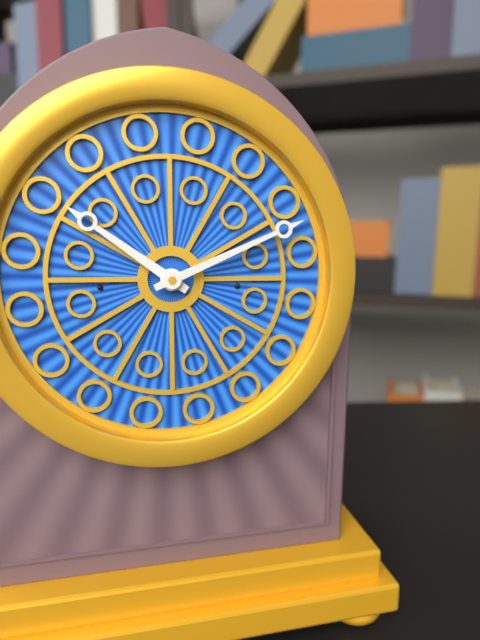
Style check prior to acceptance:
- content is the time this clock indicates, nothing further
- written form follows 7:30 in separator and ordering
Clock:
10:11
